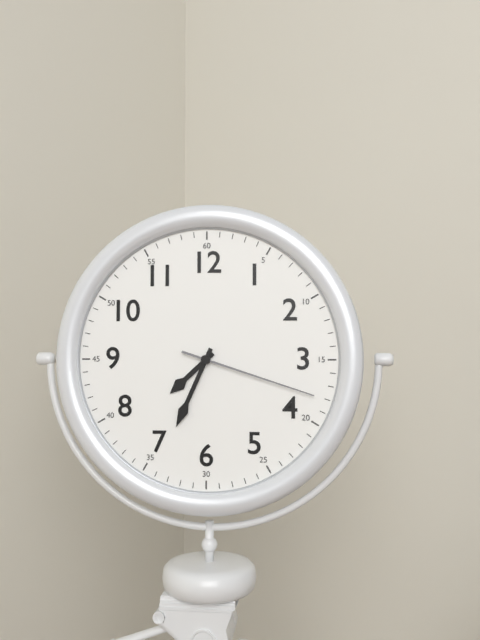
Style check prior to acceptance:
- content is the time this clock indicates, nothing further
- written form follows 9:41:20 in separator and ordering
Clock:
7:34:18
